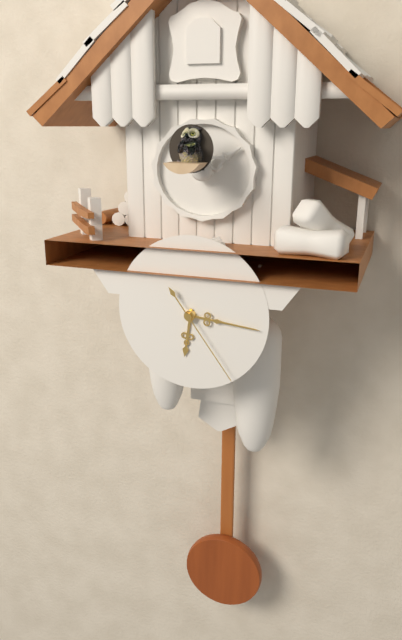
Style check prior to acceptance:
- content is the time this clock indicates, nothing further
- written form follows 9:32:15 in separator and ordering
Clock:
6:16:24
